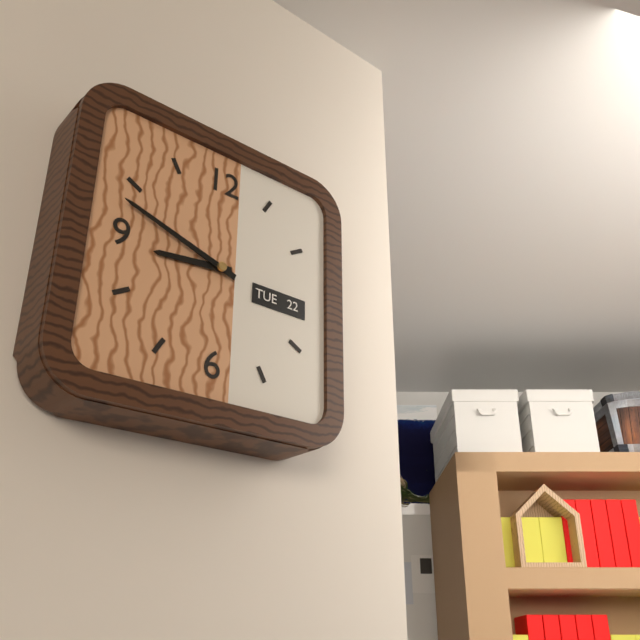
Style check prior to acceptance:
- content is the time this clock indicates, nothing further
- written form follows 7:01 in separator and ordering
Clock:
8:48
